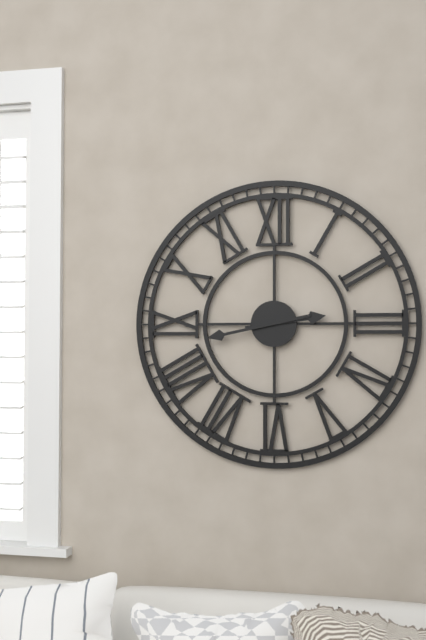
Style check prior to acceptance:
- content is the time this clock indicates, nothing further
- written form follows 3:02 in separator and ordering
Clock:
2:43
